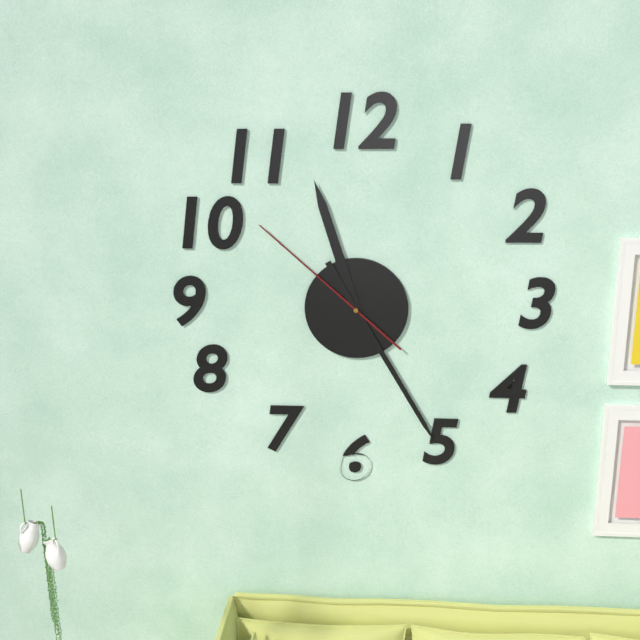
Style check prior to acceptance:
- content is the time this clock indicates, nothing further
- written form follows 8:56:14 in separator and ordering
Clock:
11:25:52
